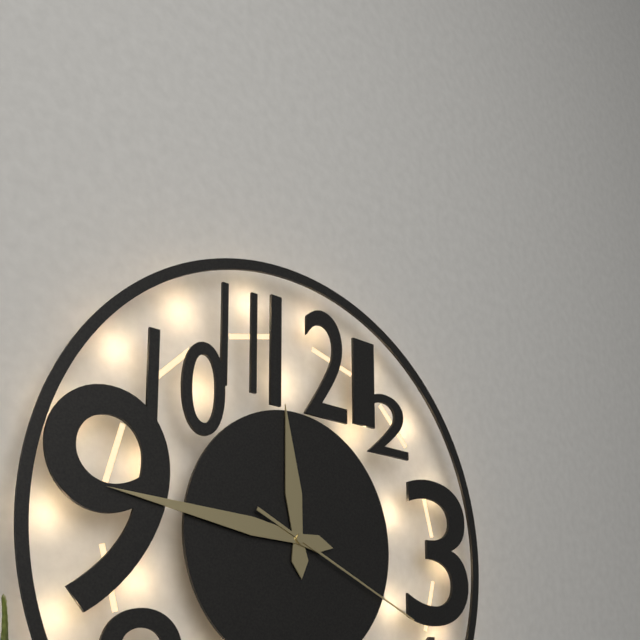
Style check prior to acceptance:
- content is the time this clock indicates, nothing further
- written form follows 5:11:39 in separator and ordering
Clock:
11:46:19
